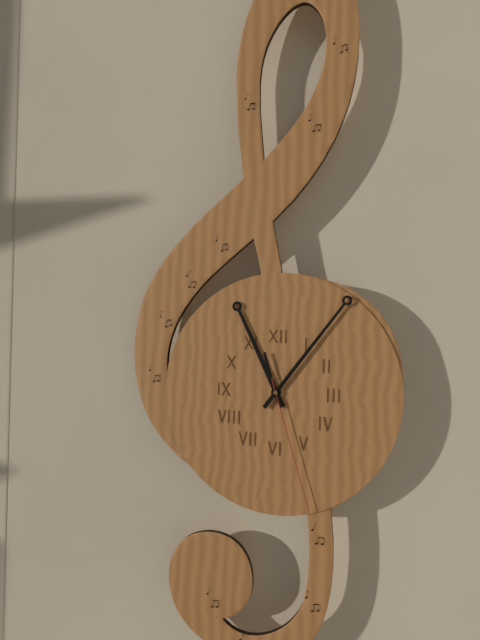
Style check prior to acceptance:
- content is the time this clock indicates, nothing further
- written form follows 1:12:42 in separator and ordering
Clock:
11:06:27
